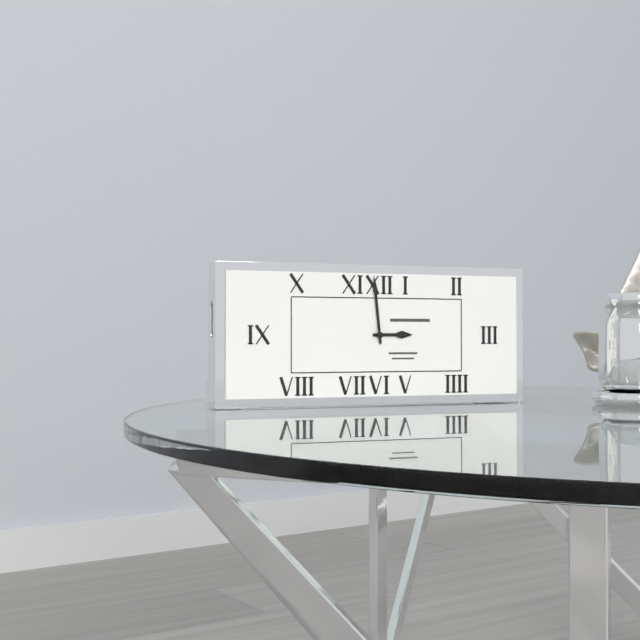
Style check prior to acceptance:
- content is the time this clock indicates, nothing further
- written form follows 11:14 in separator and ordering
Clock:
2:59
